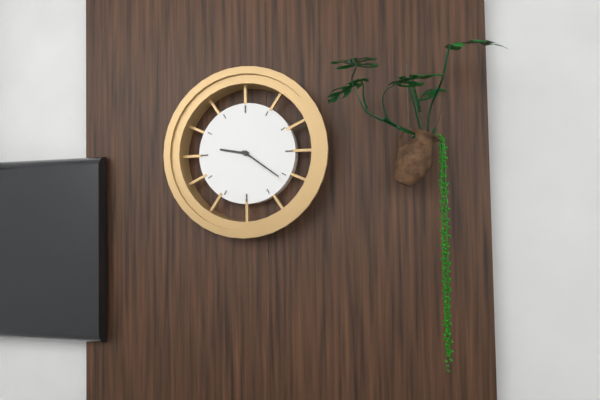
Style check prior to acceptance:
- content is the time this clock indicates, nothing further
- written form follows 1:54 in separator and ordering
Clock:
9:21
